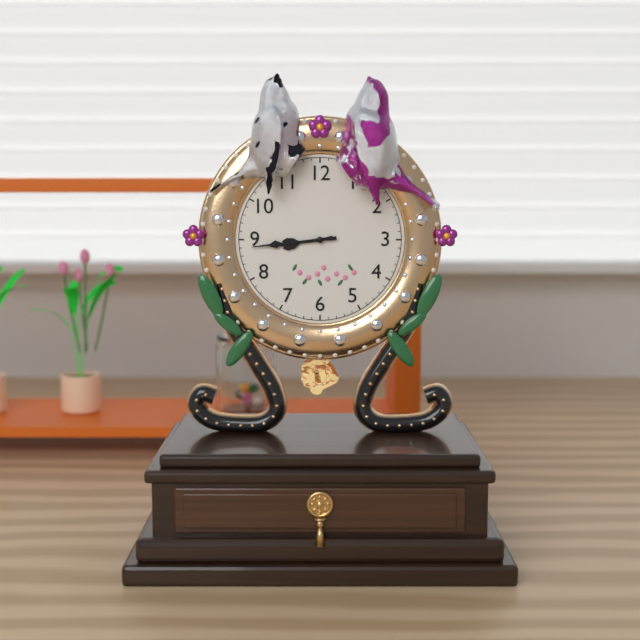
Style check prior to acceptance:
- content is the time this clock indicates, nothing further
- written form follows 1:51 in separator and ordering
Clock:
8:44
